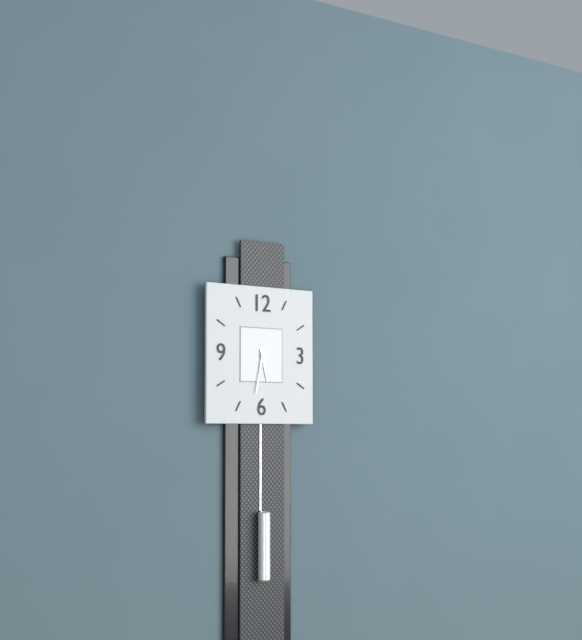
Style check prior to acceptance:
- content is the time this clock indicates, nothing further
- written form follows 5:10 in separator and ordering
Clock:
5:32
